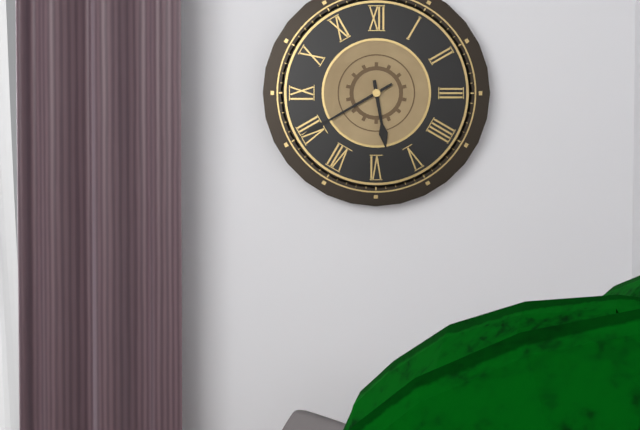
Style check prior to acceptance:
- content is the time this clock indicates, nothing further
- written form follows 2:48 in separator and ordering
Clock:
5:40
